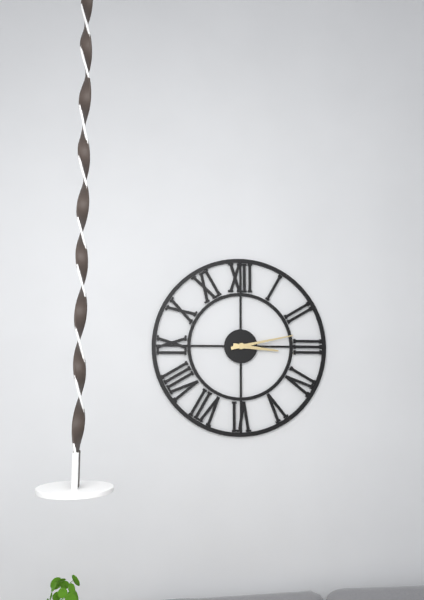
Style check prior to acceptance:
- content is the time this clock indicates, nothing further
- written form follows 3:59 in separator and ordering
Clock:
3:13
